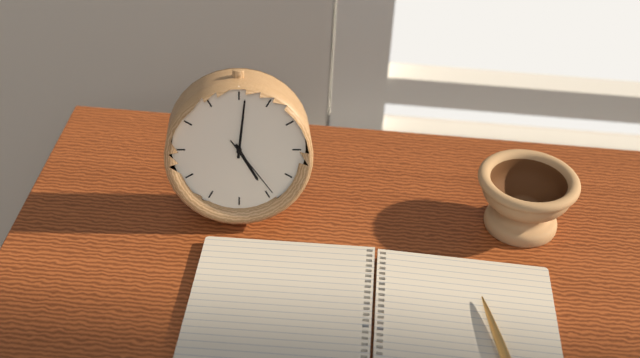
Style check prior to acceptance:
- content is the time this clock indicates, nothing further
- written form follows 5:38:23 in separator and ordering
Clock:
5:01:24
